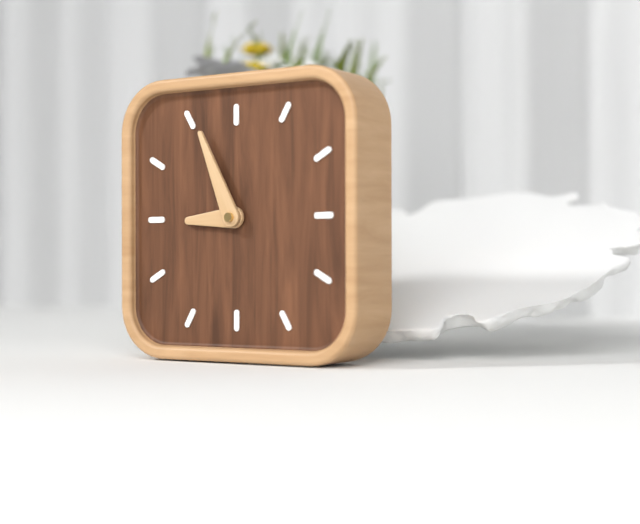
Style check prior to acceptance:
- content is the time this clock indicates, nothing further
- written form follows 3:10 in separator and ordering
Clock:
8:56
